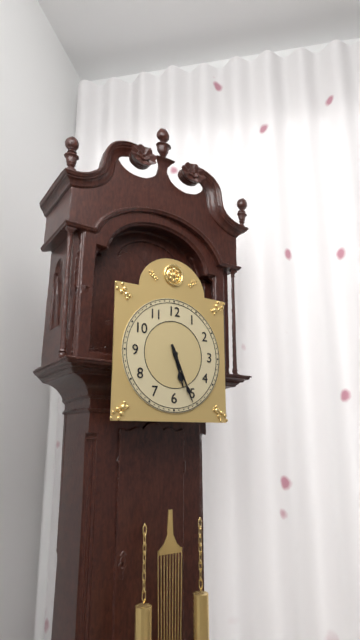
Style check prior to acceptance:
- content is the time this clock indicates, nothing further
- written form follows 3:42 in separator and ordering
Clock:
5:26
